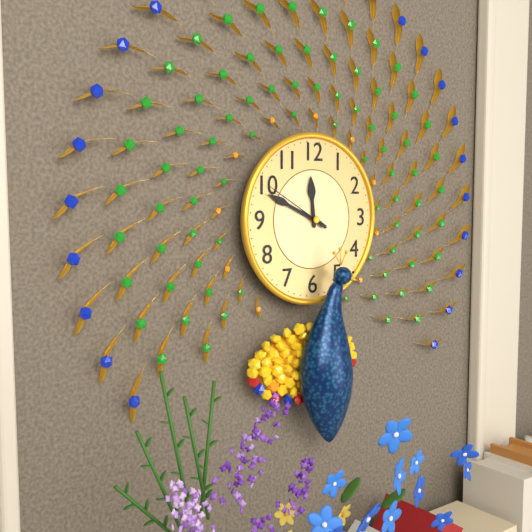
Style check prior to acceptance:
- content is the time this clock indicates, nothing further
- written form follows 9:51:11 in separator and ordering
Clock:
11:49:50
